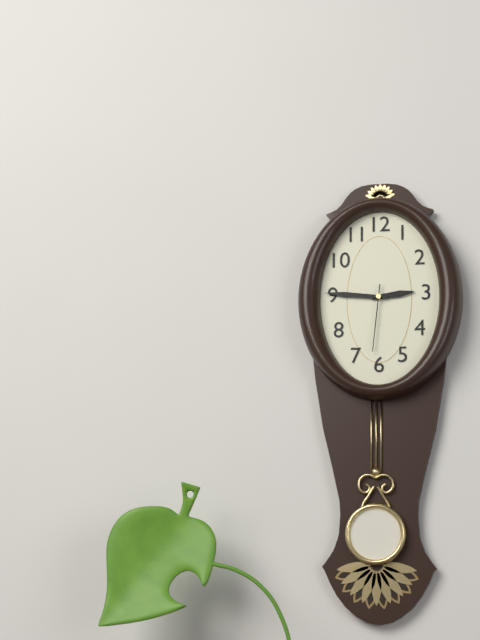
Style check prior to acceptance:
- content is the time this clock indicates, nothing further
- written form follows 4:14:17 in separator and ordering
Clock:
2:46:31
